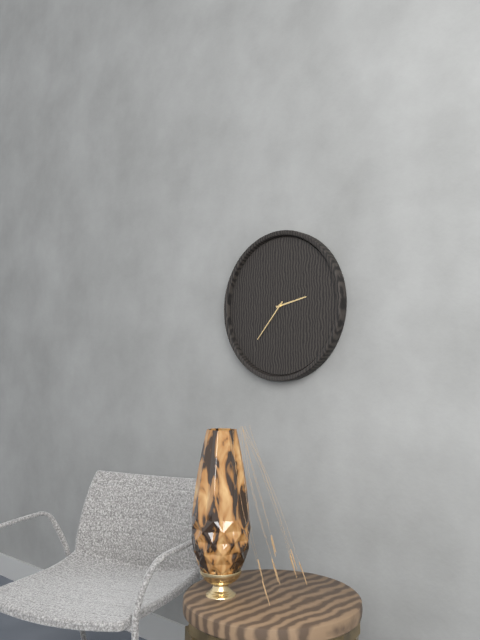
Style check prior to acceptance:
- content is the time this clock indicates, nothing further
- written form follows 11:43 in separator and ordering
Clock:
2:37
